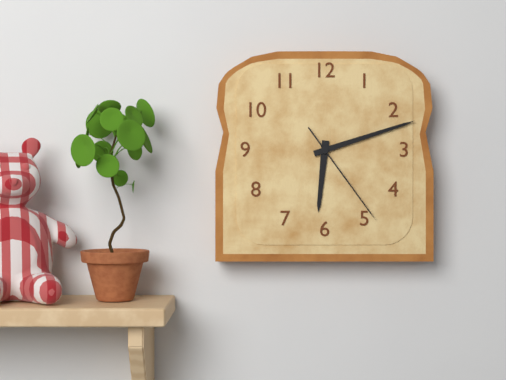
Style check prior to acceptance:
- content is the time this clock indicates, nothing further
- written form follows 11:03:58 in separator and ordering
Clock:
6:12:24
